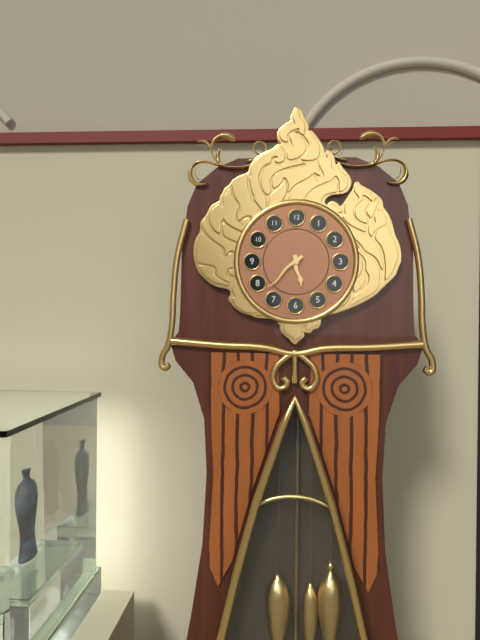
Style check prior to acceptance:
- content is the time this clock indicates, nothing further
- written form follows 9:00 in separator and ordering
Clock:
5:38
